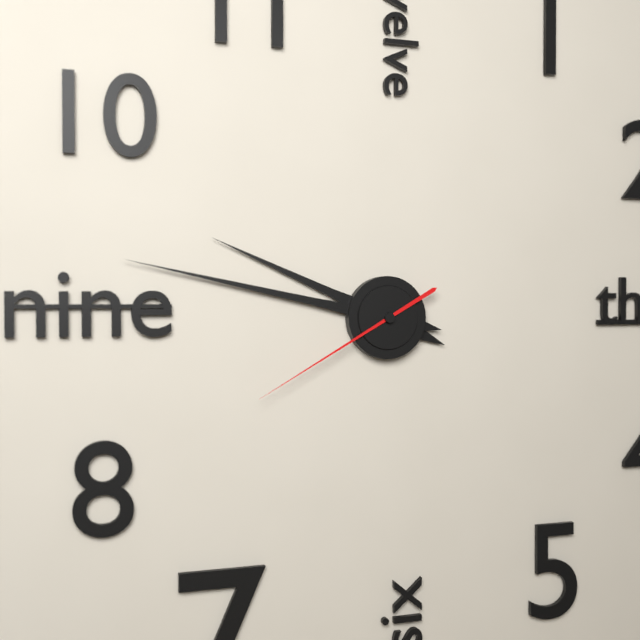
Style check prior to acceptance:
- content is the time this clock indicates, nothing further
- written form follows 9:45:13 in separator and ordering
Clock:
9:47:40
